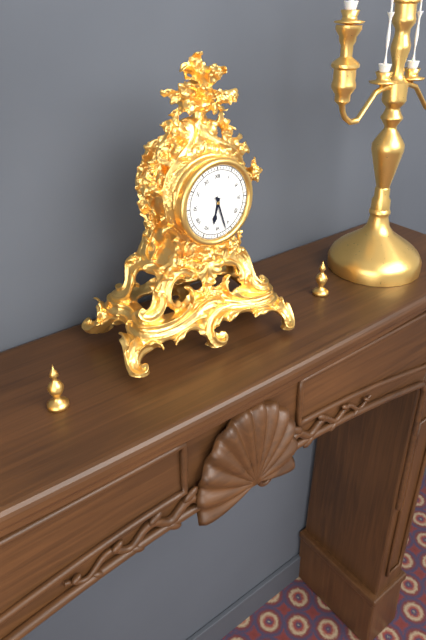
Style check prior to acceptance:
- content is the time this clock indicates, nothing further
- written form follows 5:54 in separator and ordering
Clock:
6:27
